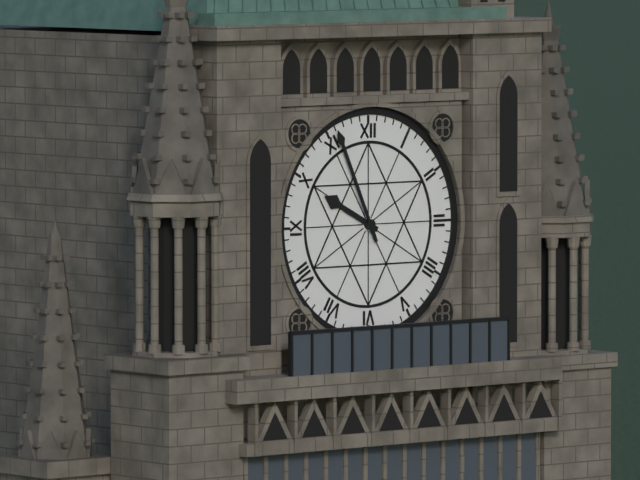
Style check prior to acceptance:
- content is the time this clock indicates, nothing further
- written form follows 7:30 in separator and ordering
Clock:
9:56
